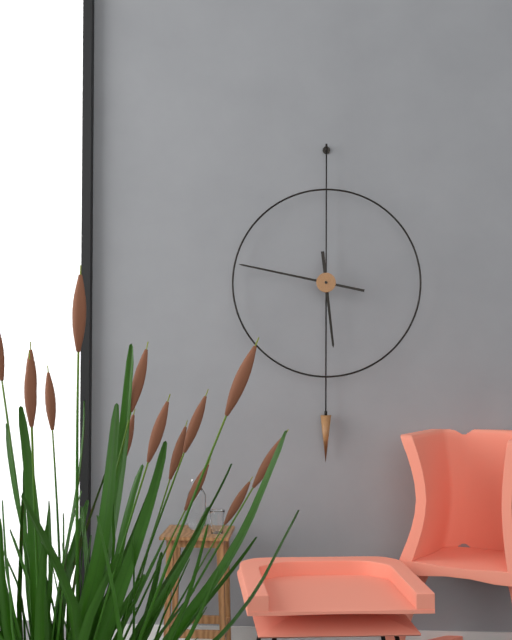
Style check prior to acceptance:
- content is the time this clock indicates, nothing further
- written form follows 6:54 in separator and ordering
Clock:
5:47
